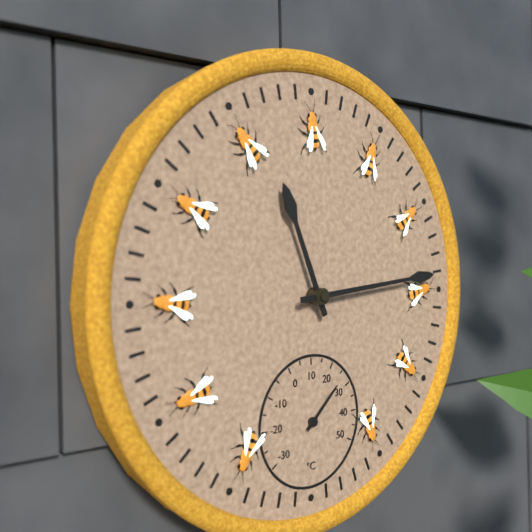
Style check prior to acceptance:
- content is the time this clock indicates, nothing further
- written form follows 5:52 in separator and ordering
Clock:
11:14
